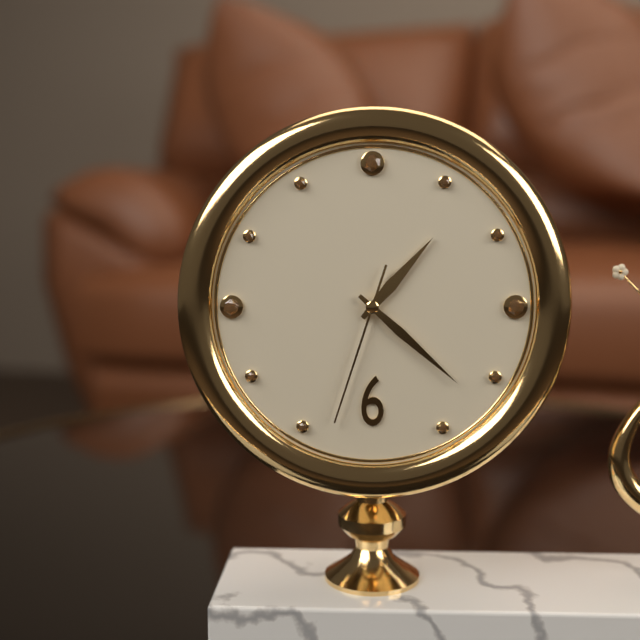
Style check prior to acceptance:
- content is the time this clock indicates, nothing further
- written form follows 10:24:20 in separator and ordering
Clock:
1:22:33
